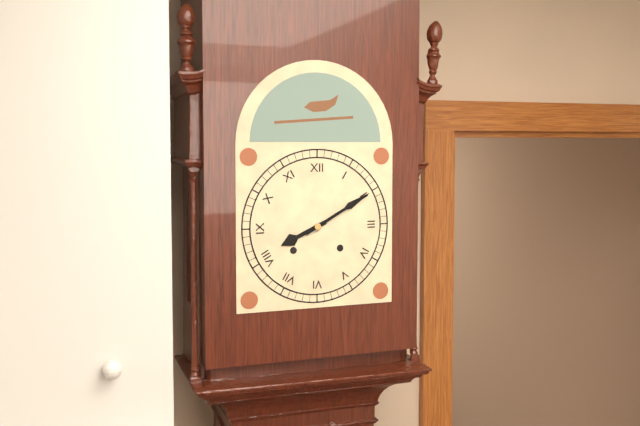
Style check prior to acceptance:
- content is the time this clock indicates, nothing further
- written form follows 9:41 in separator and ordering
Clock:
8:10
